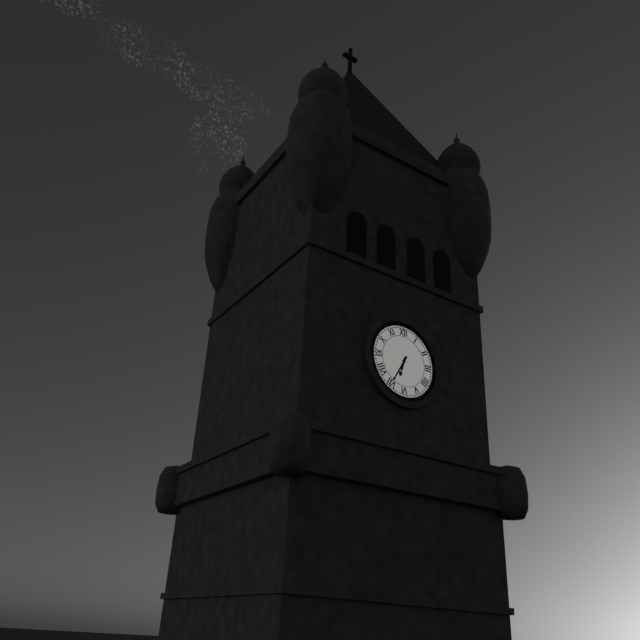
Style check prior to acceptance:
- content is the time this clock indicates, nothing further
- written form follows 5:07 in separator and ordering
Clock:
6:35
